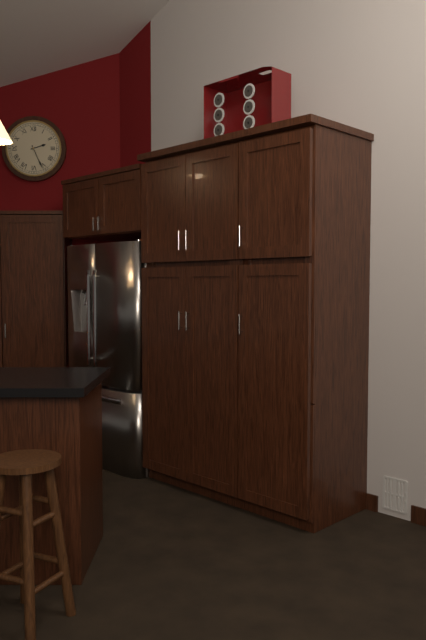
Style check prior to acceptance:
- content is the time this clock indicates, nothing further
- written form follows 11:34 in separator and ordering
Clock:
2:26
